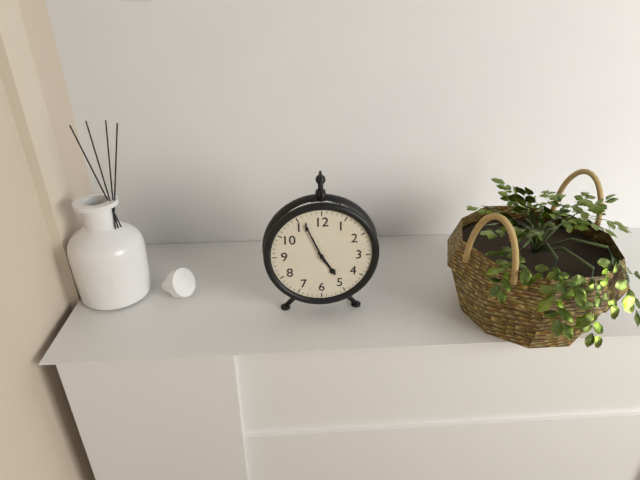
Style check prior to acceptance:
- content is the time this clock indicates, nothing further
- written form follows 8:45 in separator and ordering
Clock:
4:56
